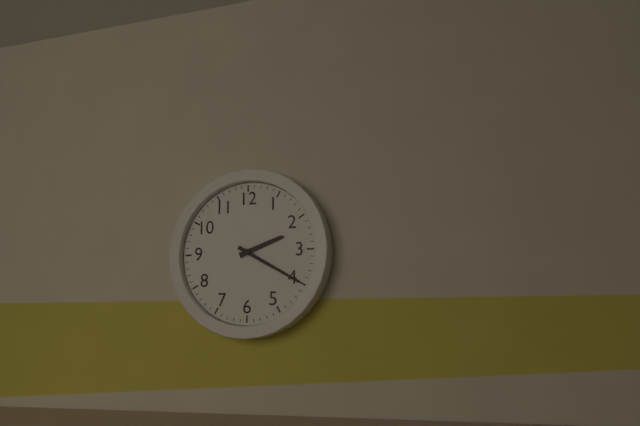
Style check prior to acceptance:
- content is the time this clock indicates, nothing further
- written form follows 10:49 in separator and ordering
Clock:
2:20
